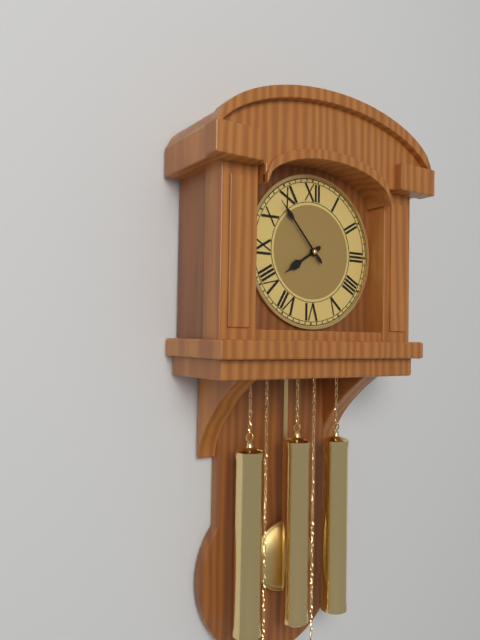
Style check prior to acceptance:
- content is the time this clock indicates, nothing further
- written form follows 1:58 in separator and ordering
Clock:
7:53
